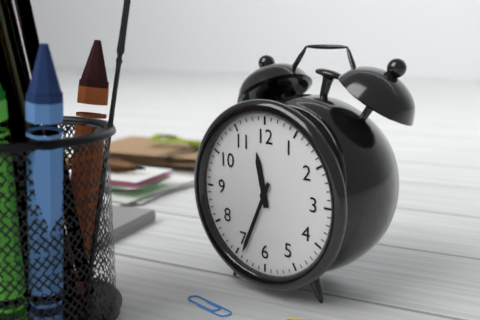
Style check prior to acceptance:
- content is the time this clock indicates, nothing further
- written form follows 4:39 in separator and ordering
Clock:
11:34
